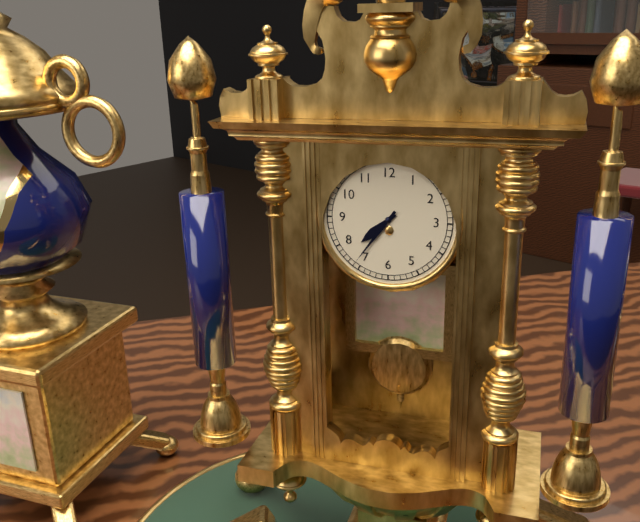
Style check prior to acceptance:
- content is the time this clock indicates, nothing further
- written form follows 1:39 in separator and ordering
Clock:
7:36
